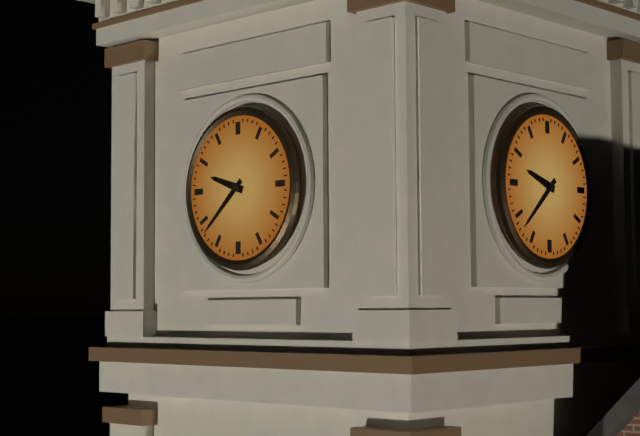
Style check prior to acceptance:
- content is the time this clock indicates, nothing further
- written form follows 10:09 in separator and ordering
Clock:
9:38
